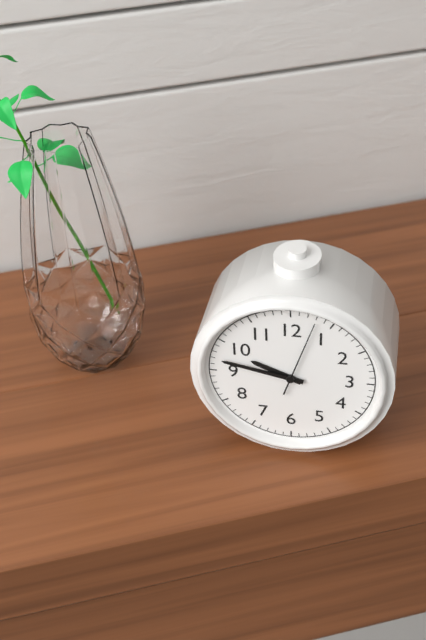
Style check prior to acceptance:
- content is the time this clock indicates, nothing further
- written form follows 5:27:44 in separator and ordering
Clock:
9:47:03
